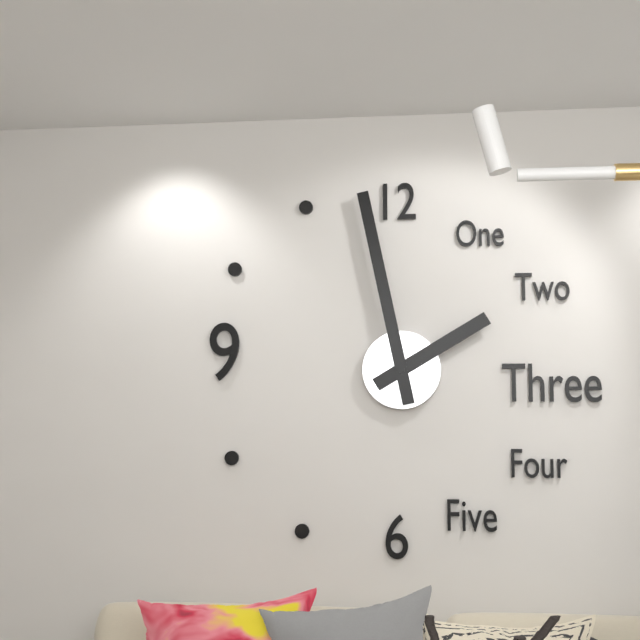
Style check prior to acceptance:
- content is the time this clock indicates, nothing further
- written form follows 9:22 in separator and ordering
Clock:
1:58
